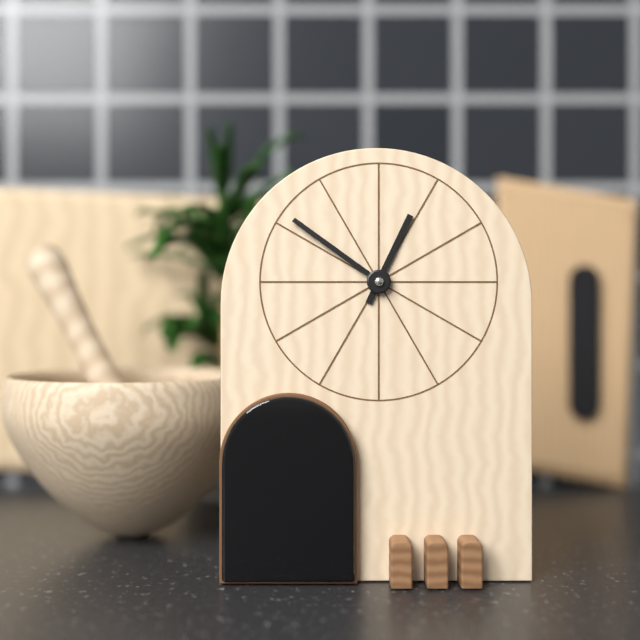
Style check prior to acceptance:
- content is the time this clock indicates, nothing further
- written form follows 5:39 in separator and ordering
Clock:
12:51
